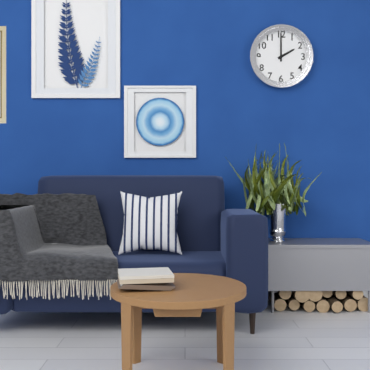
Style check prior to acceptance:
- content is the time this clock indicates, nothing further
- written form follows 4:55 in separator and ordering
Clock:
2:00
